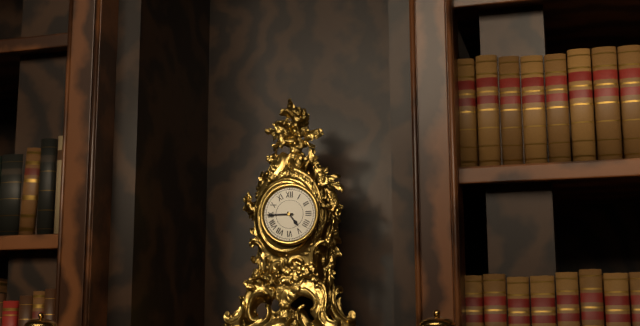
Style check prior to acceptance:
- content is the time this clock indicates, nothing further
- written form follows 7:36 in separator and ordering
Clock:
4:45
